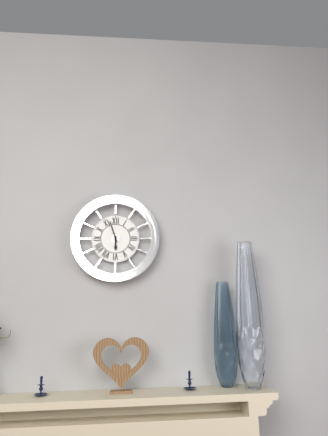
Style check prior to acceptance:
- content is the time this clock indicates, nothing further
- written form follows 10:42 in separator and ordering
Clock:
5:57
